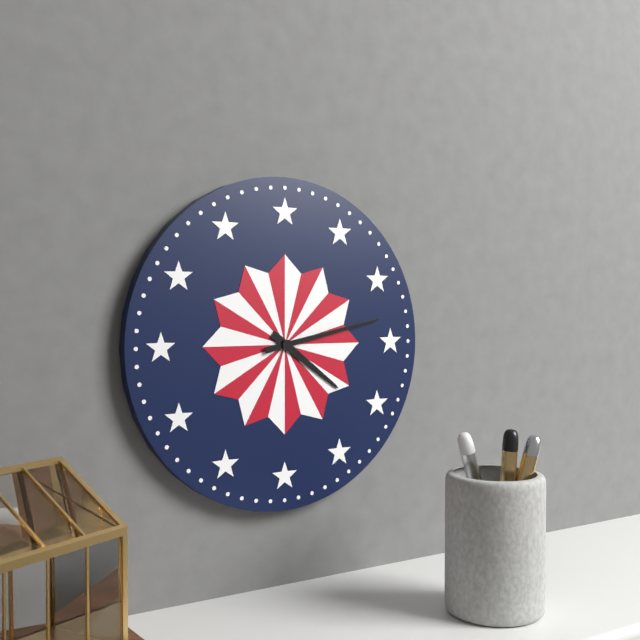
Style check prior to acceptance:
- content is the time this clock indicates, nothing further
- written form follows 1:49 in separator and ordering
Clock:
4:13
